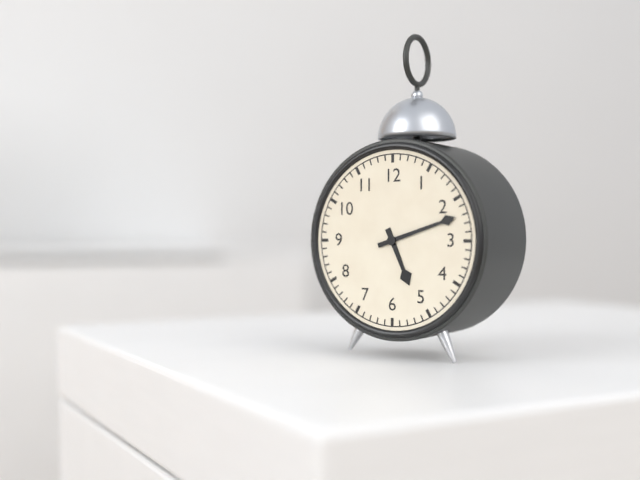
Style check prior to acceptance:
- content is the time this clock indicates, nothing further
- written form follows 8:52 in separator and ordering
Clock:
5:12
